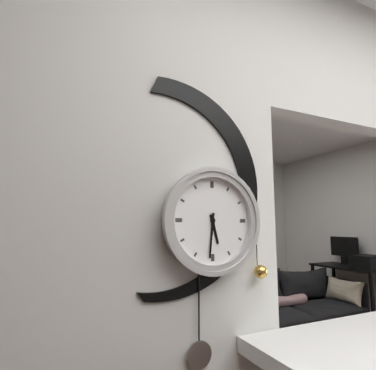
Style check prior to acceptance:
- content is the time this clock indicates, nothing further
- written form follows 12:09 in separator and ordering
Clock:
5:31
